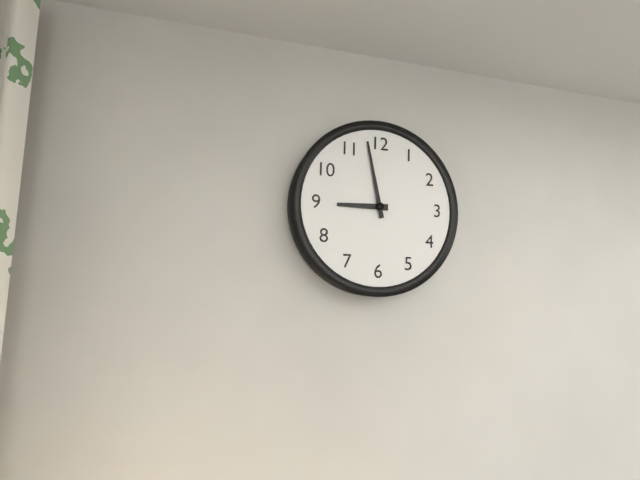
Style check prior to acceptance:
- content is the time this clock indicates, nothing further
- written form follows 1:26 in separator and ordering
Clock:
8:58
